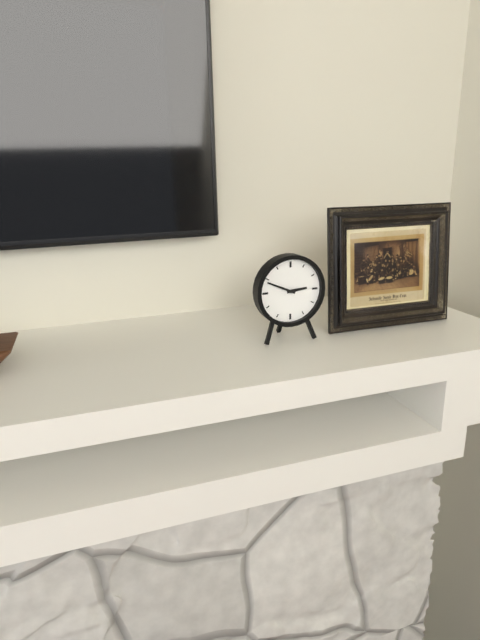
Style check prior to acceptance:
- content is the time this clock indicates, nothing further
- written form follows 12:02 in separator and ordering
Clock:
2:49
